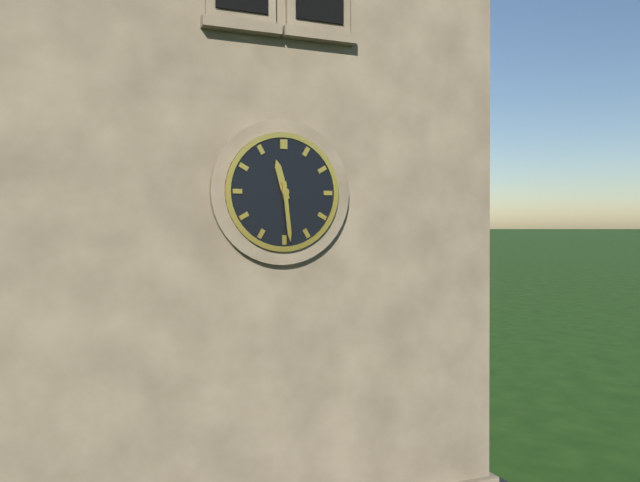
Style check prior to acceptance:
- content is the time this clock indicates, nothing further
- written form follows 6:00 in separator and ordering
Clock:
11:29
